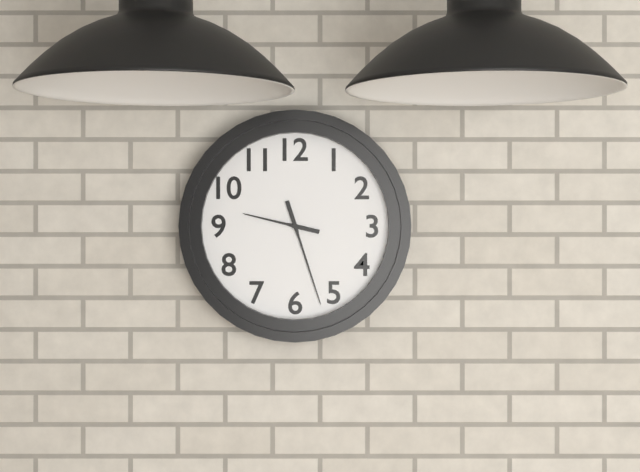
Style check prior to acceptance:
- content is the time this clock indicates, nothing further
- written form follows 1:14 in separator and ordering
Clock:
9:27
